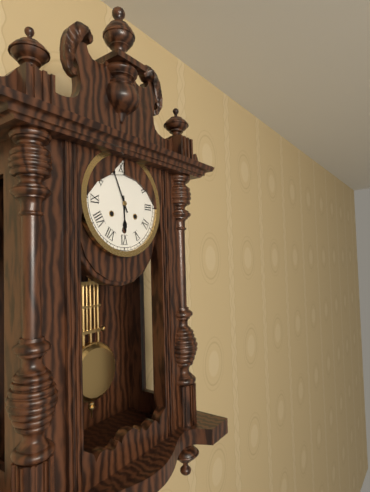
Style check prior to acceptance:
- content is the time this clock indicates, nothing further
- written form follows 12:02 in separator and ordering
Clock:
5:56
